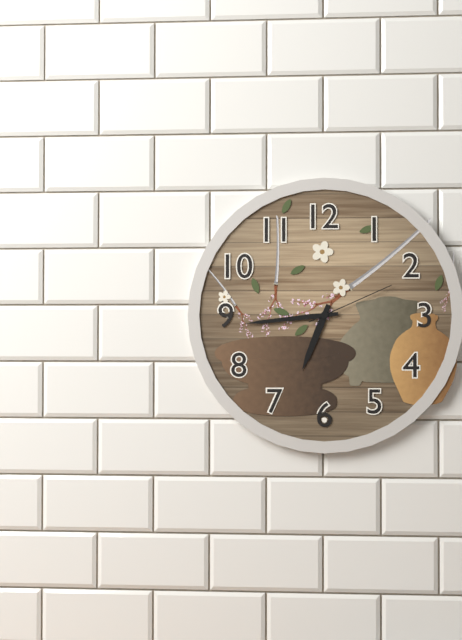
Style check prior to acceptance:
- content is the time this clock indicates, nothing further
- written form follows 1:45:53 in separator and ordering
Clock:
6:44:11
